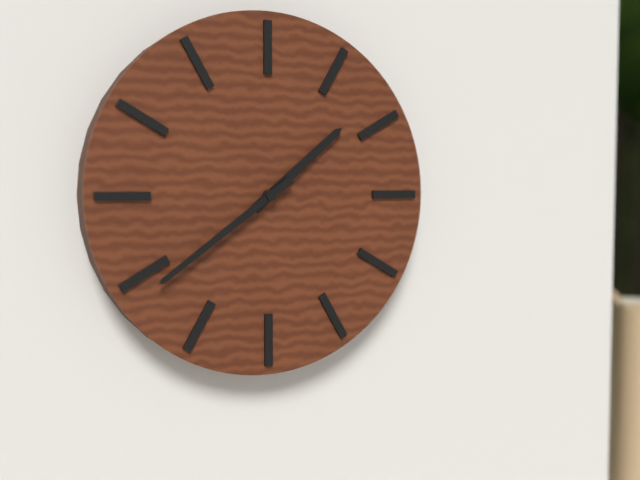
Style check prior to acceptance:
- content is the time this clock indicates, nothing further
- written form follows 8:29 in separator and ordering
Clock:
1:39
